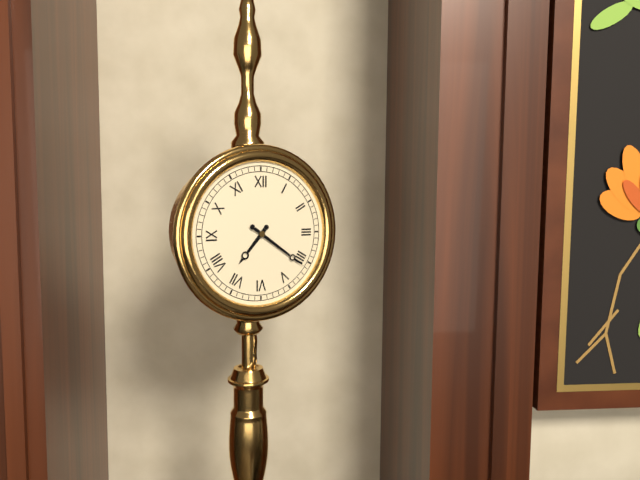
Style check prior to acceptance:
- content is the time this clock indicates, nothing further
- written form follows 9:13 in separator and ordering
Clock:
7:21
